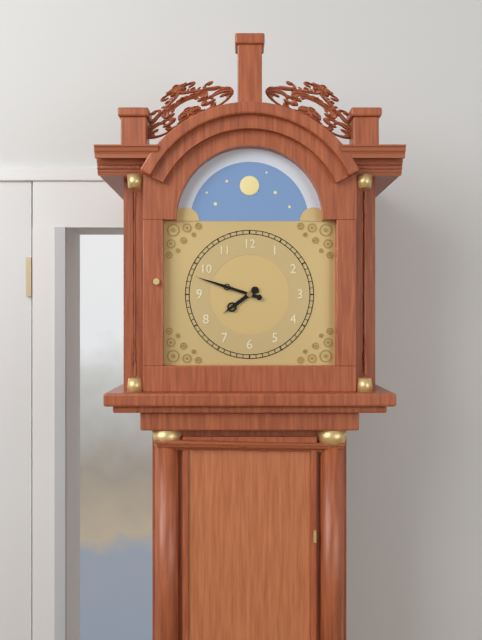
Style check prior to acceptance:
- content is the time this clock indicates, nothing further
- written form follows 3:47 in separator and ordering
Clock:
7:48
